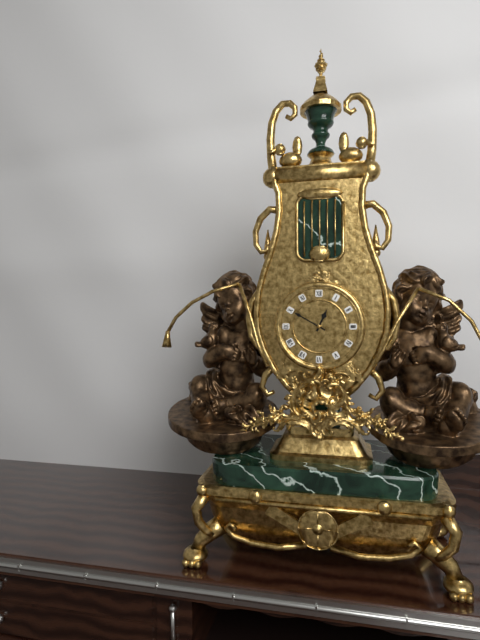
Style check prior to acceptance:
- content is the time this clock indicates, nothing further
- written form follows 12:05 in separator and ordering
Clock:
12:50
